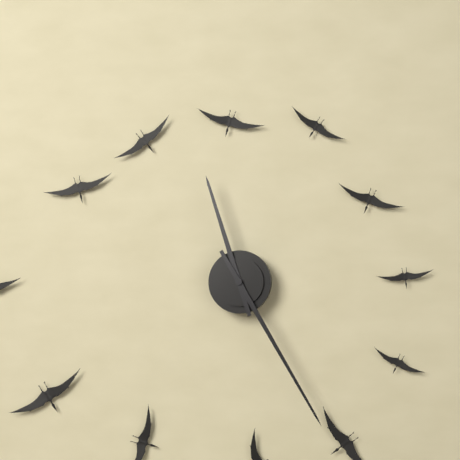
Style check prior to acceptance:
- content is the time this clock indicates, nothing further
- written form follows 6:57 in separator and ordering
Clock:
11:25
